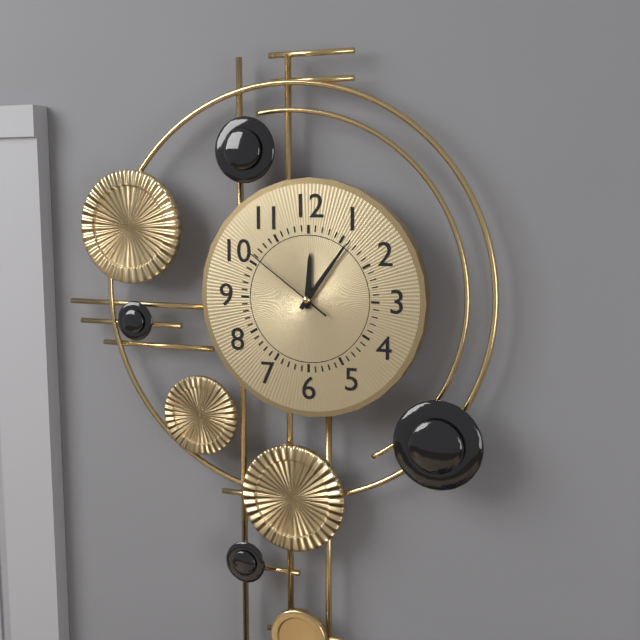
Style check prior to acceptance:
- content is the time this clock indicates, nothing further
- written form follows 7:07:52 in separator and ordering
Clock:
12:06:51
